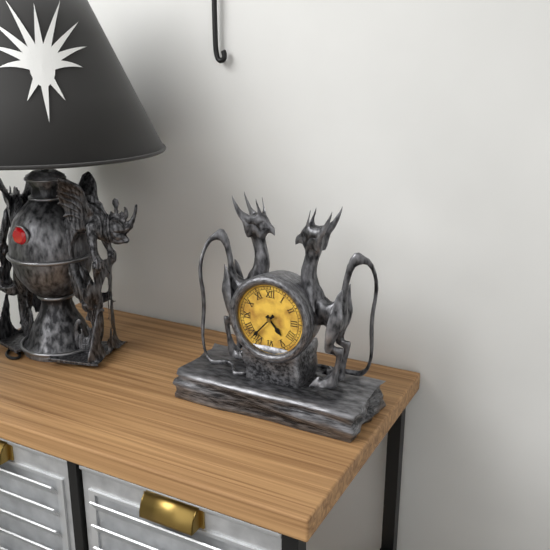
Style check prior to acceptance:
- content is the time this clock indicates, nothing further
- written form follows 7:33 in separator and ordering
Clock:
4:37
